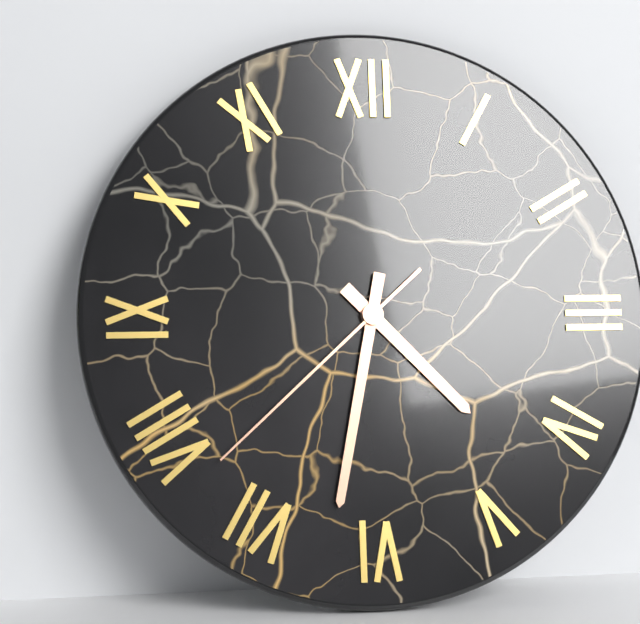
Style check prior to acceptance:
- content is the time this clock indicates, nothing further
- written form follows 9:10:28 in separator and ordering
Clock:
4:32:38
